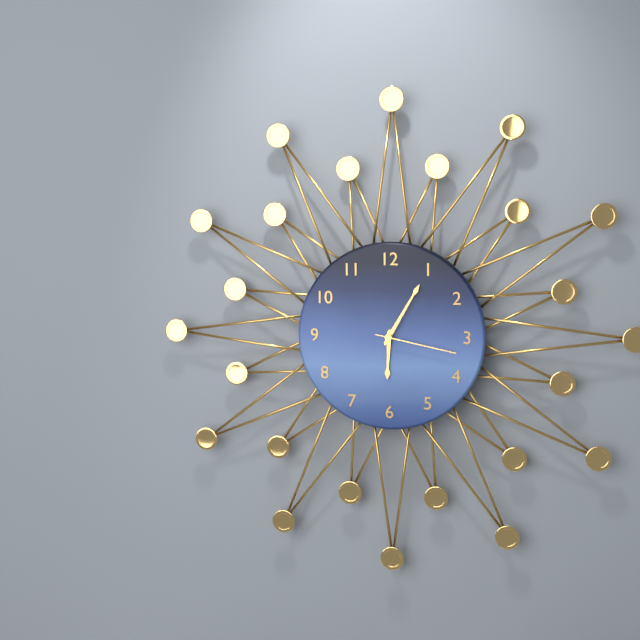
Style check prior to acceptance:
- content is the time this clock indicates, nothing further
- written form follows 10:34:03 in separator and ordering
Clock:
6:05:17
